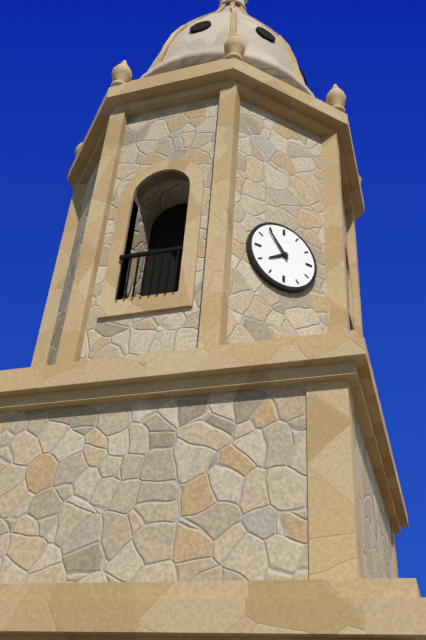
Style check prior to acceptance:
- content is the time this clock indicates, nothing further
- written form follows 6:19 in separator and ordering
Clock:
7:54
